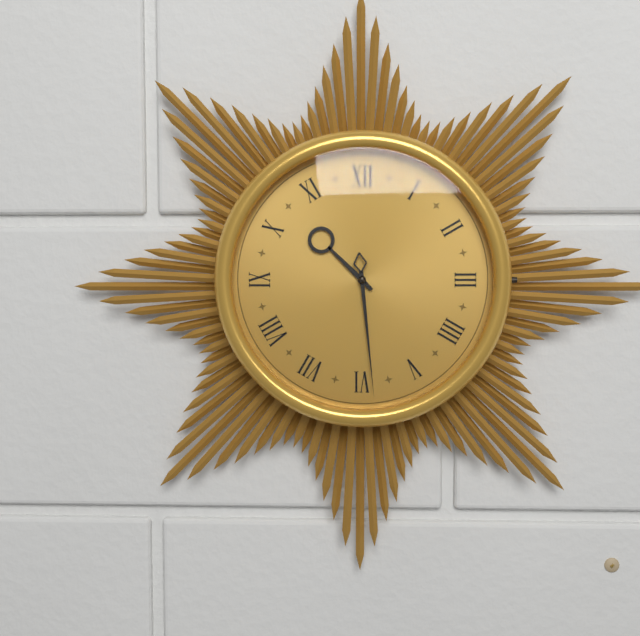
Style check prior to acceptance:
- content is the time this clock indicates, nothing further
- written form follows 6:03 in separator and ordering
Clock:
10:29
